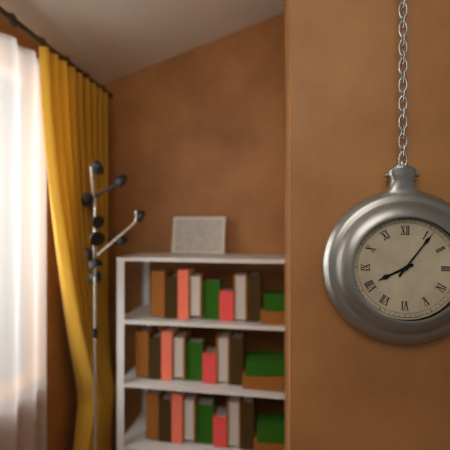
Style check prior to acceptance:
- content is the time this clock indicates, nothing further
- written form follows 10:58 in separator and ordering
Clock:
8:06
